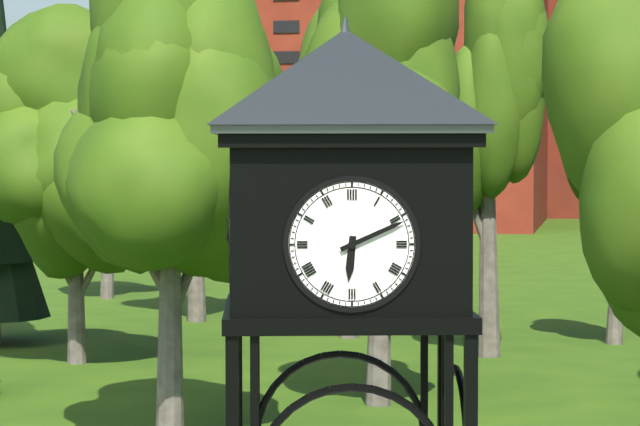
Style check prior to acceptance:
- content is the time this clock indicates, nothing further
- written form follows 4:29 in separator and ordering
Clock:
6:11
